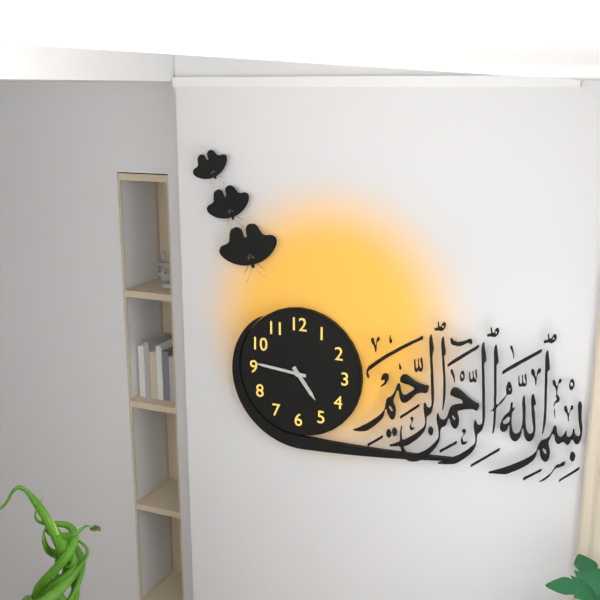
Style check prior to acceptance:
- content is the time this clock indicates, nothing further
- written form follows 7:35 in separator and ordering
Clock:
4:46
